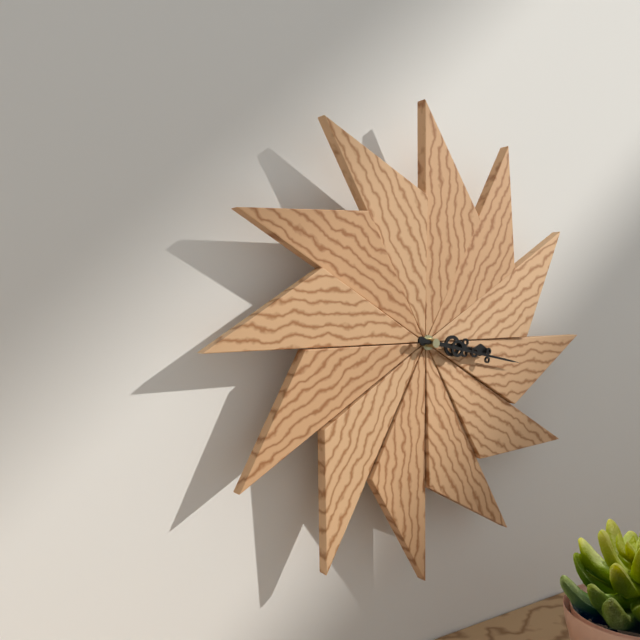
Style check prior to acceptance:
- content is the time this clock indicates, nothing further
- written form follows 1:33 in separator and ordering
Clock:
3:17
